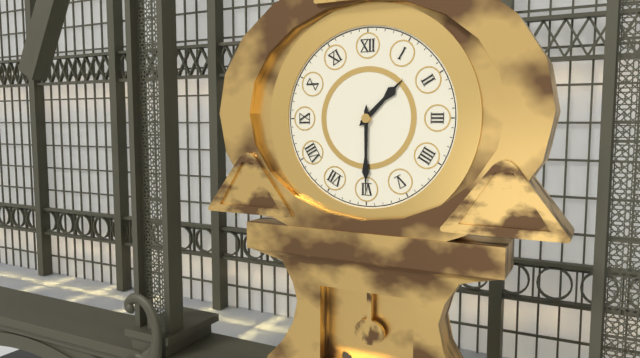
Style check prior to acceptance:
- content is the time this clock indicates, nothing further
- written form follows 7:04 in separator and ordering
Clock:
1:30
